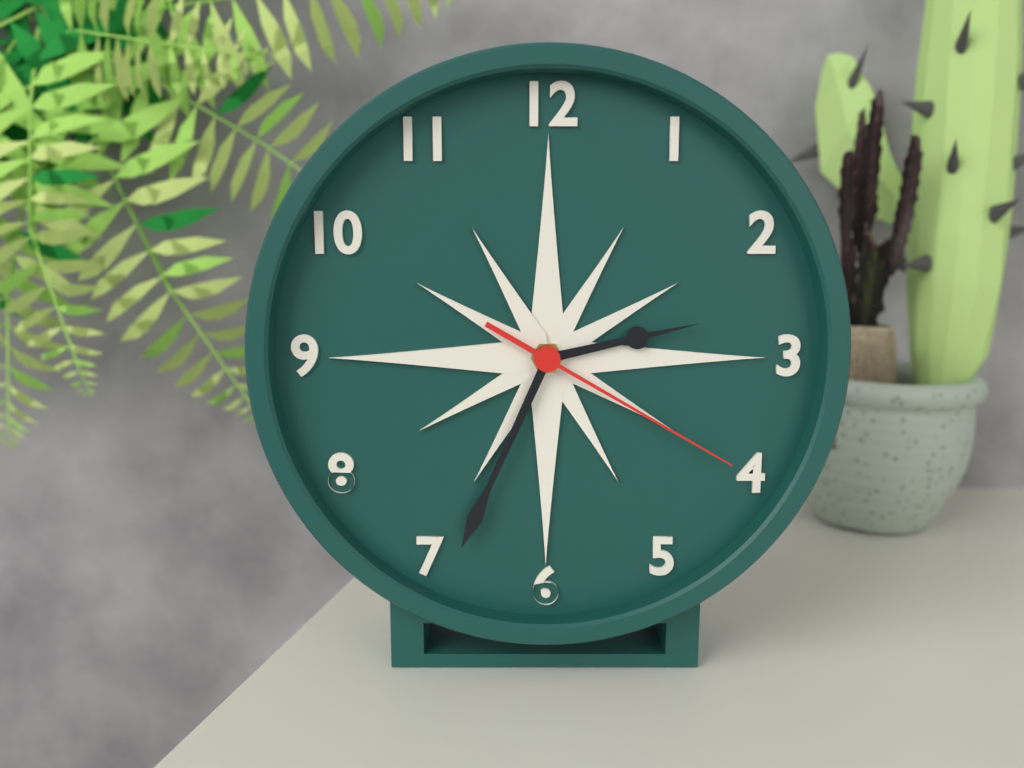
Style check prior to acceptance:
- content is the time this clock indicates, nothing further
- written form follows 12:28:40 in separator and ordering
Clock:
2:34:20
